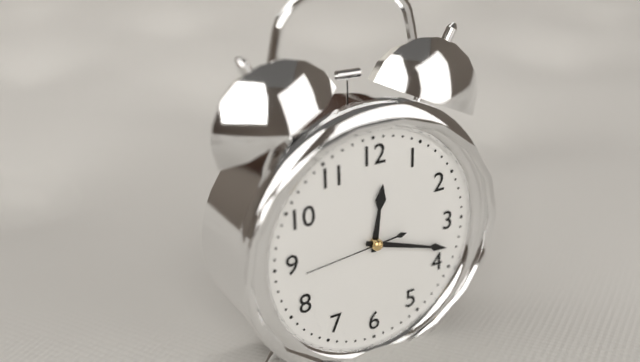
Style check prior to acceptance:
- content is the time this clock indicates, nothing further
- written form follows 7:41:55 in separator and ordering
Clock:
12:18:44
